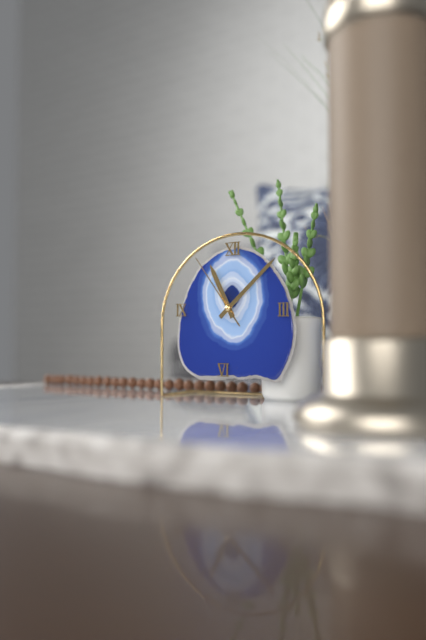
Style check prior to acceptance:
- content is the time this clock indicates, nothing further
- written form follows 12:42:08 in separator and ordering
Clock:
11:08:54
